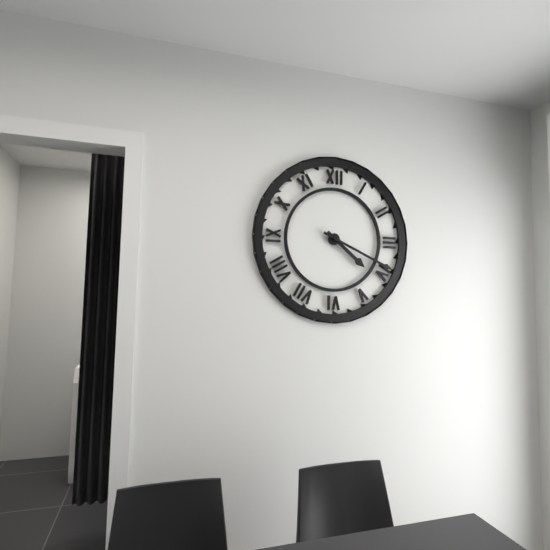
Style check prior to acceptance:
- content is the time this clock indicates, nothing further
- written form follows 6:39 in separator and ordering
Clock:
4:19
